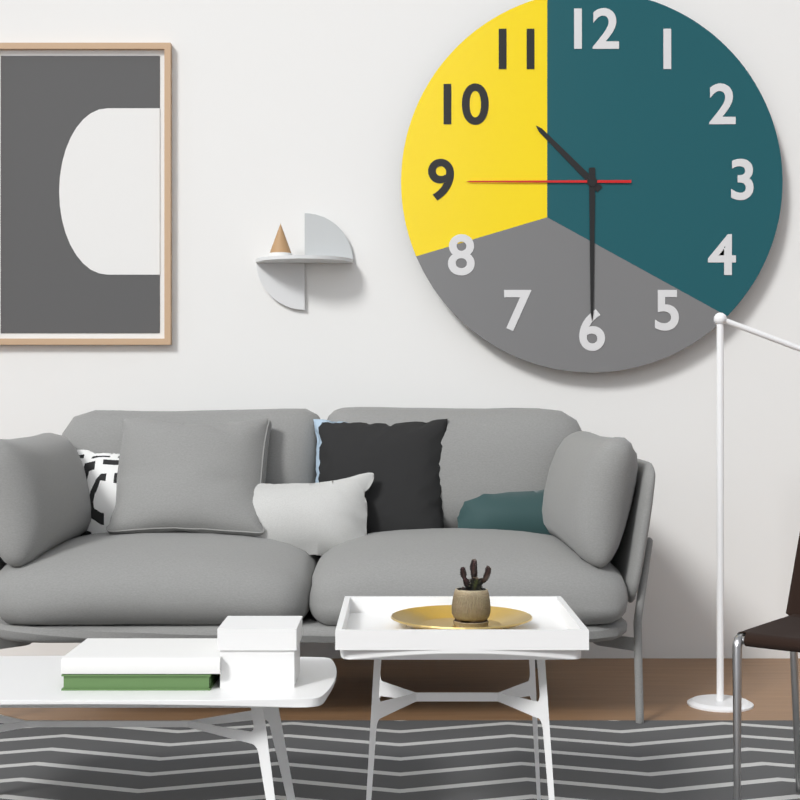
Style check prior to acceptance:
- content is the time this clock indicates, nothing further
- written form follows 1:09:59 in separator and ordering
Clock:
10:30:45
